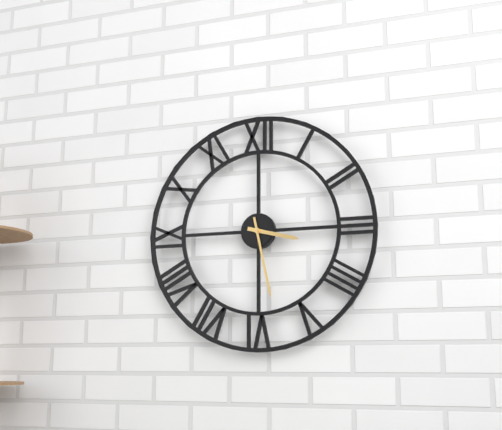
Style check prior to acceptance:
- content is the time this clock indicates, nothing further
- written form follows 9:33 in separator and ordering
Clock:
3:28
